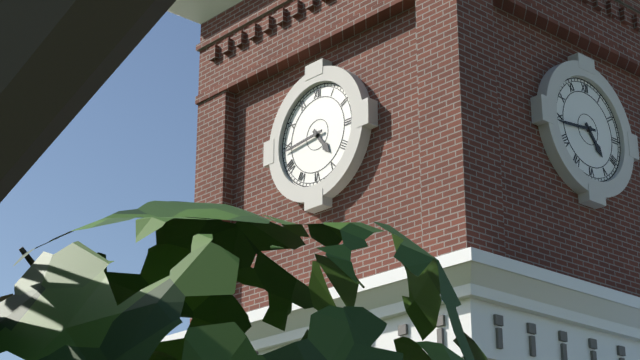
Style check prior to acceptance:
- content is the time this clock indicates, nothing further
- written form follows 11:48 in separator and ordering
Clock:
4:44
